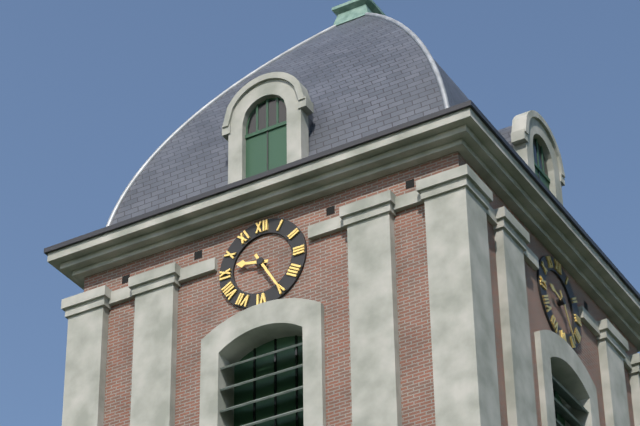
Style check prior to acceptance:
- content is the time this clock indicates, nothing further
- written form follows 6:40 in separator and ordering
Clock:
9:25
